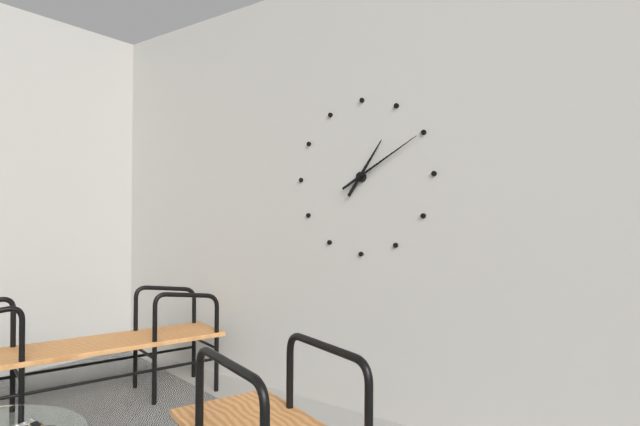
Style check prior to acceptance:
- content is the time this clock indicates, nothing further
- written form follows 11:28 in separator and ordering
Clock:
1:10
